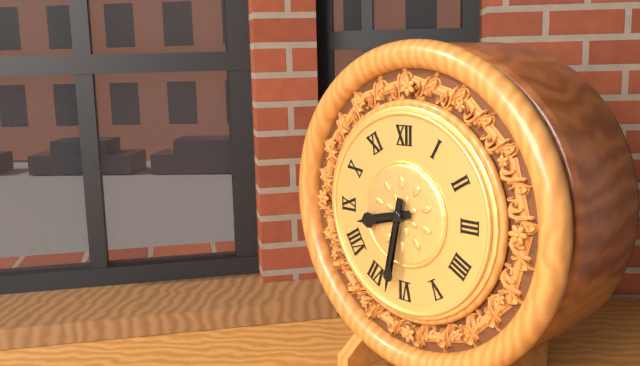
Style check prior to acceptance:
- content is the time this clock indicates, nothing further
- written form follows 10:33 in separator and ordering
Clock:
8:32
